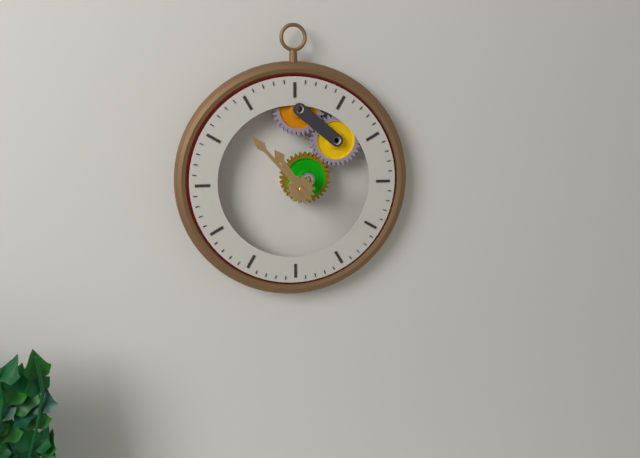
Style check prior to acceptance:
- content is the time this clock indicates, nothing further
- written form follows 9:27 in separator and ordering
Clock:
10:53
